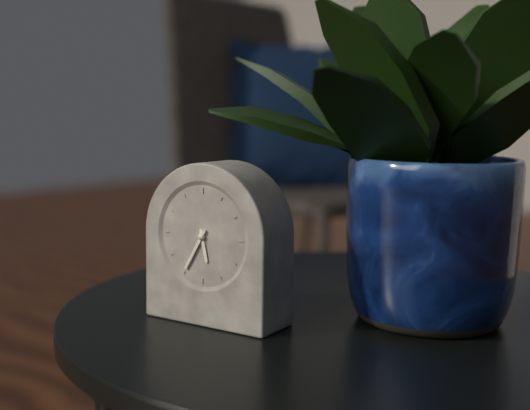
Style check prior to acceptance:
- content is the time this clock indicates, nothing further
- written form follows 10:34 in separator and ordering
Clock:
5:35
